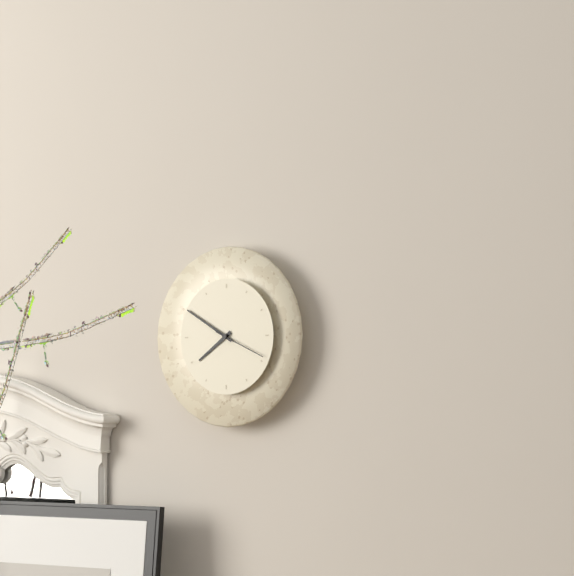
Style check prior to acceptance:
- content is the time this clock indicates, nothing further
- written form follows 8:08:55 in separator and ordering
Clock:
7:50:19
